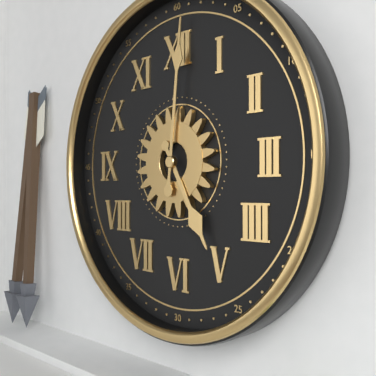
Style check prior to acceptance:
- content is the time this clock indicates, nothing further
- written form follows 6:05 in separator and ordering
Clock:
5:01
